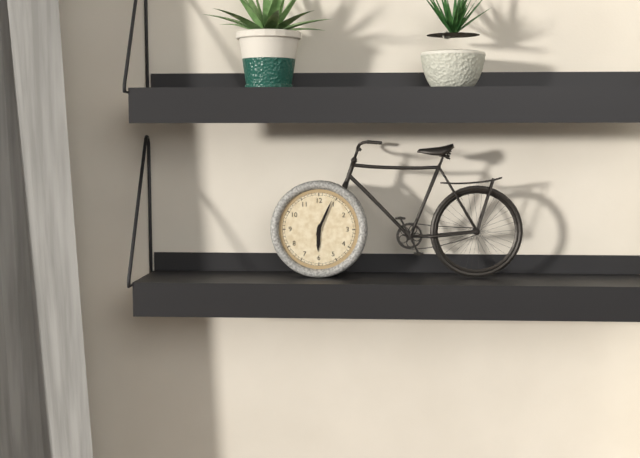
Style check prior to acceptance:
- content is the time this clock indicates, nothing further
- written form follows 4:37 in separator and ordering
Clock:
6:04
